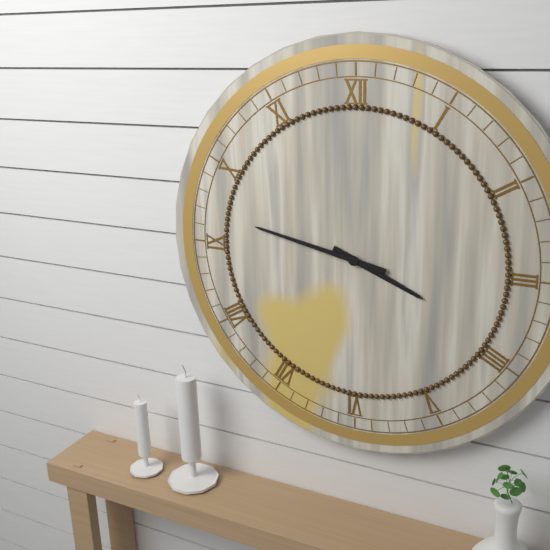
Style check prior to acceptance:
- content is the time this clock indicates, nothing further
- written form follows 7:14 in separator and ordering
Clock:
3:47
